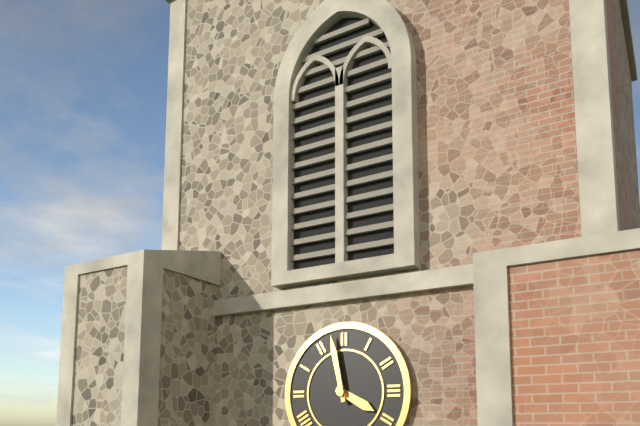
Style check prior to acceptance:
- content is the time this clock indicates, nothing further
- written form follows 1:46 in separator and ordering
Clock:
3:58
